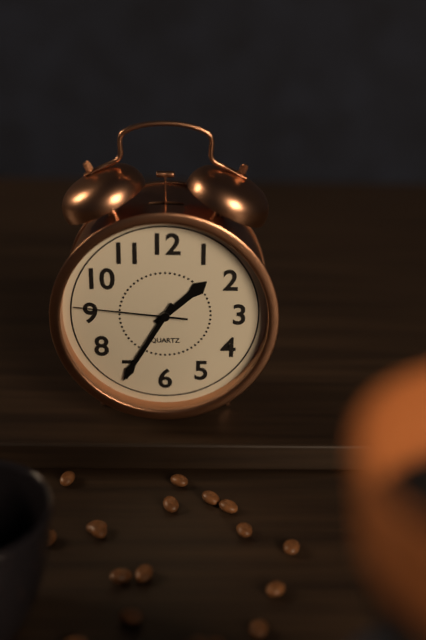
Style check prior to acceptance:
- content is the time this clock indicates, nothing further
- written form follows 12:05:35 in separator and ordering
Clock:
1:35:46
